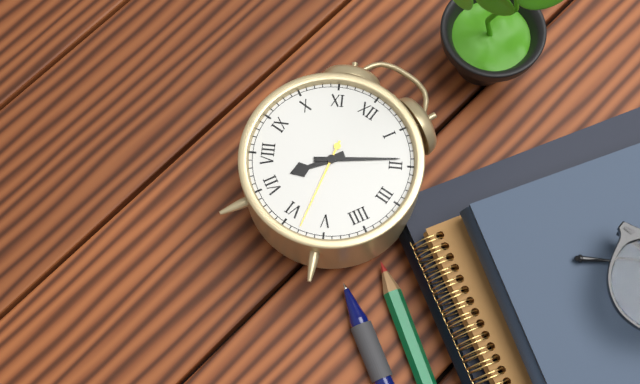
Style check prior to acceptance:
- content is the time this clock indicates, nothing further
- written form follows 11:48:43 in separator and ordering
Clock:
7:09:28
